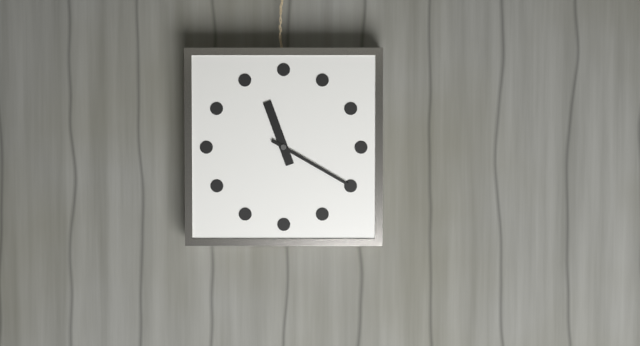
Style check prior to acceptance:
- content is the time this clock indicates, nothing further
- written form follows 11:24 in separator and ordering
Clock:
11:20
